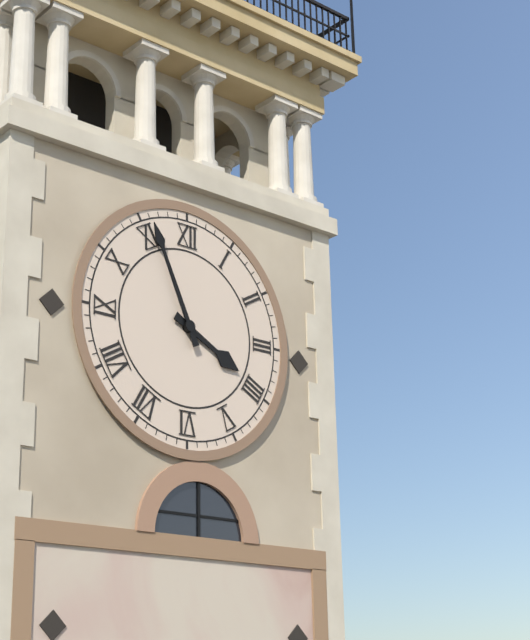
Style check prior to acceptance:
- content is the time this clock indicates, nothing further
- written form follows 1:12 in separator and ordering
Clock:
3:56
